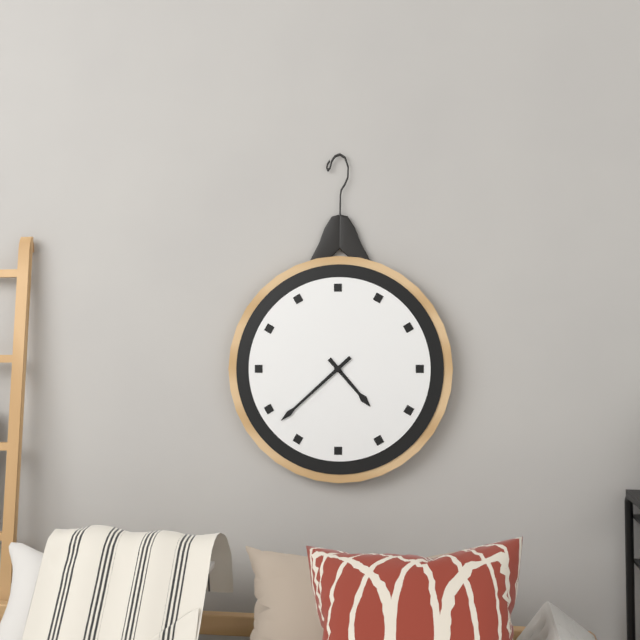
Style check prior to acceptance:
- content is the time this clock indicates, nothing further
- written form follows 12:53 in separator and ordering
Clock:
4:38
